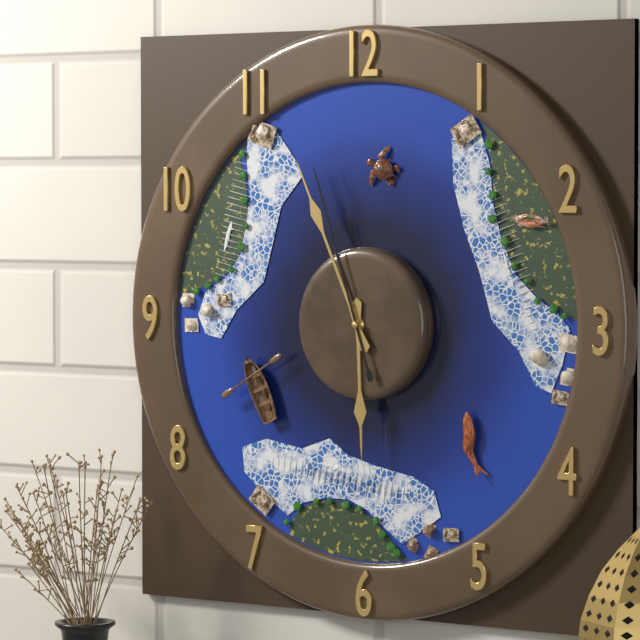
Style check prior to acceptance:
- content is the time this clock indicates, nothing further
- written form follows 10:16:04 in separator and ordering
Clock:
5:56:57
